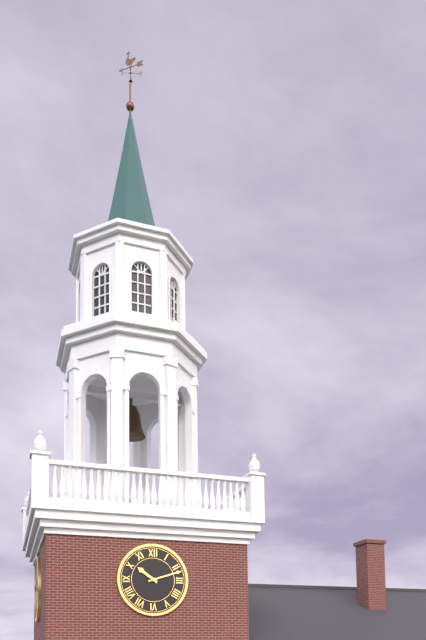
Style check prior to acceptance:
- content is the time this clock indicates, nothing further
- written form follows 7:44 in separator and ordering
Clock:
10:12
